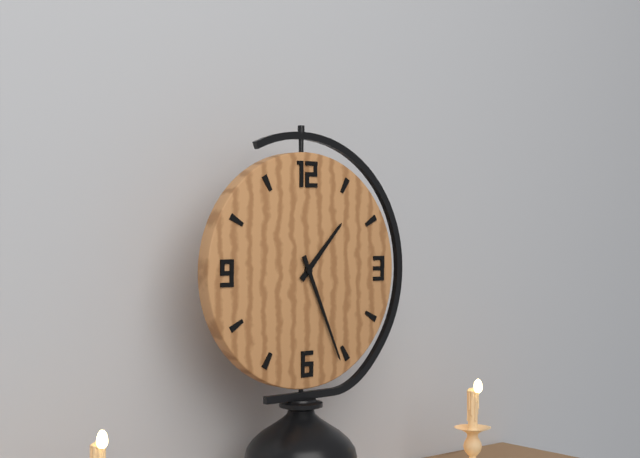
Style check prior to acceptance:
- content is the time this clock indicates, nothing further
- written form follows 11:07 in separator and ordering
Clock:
1:26
